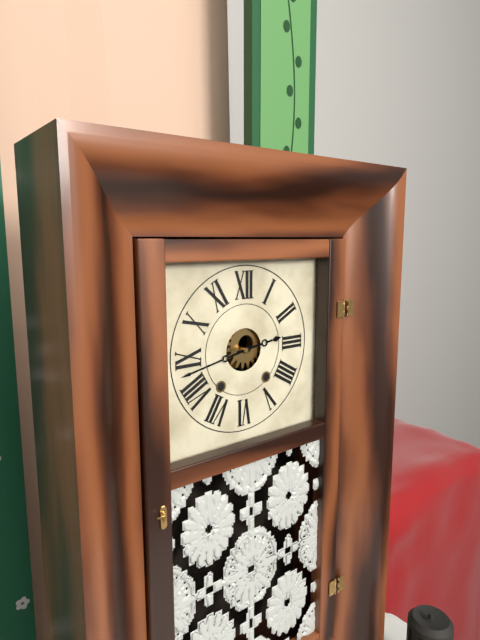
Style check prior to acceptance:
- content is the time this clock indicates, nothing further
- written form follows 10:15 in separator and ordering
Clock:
2:43
